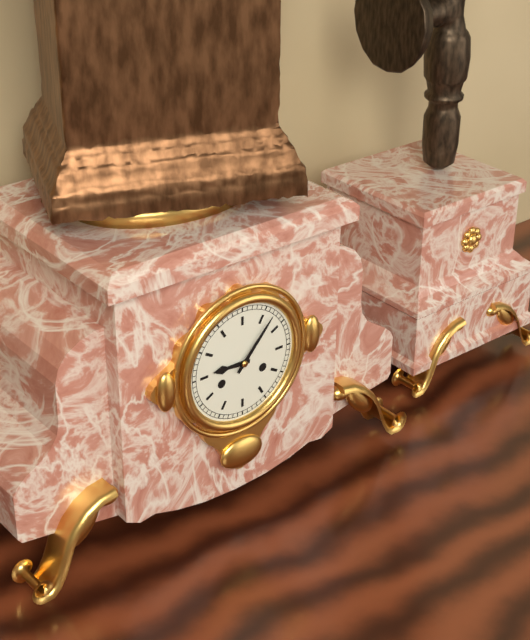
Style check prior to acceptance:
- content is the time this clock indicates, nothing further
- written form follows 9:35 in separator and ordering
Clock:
9:07
